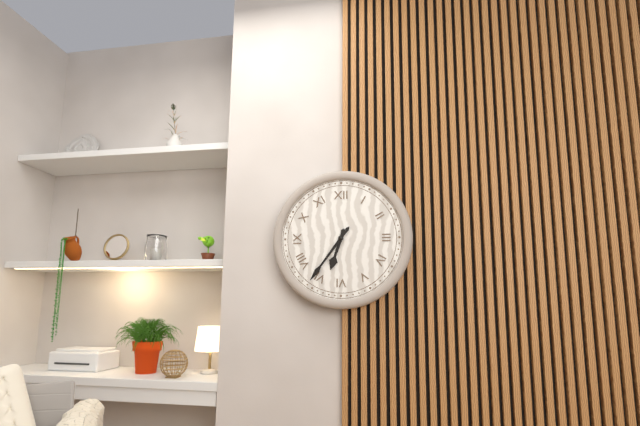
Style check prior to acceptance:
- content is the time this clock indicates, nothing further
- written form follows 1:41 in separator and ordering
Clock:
6:36
